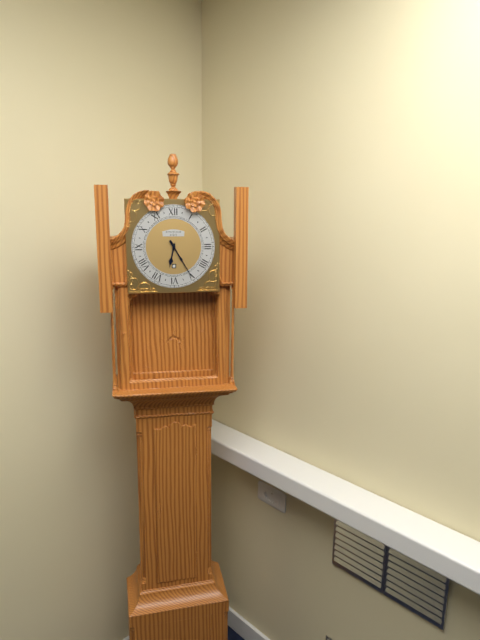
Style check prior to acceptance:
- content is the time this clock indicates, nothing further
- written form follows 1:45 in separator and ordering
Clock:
6:25
